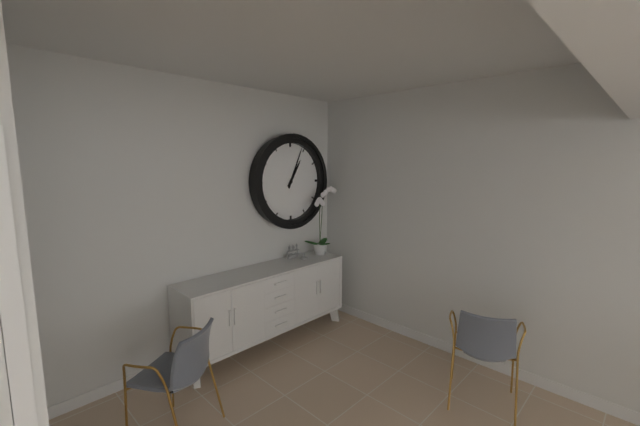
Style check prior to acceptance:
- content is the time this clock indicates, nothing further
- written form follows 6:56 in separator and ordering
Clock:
1:04
